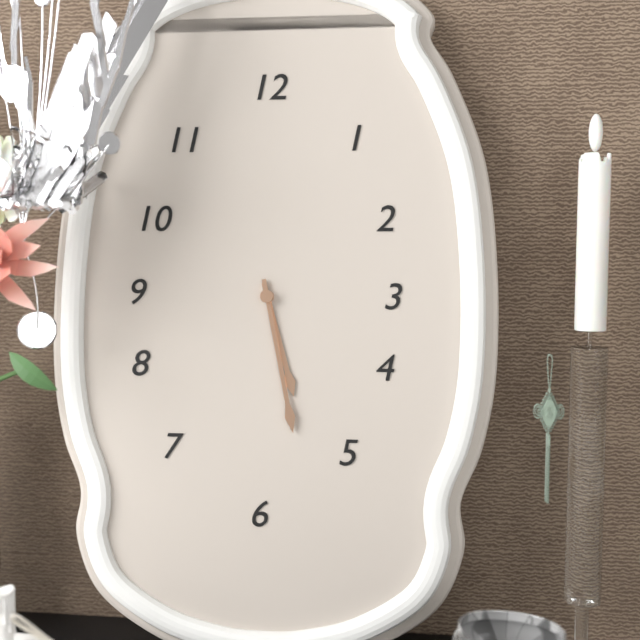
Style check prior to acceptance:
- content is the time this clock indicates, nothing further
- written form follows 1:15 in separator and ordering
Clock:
5:28
